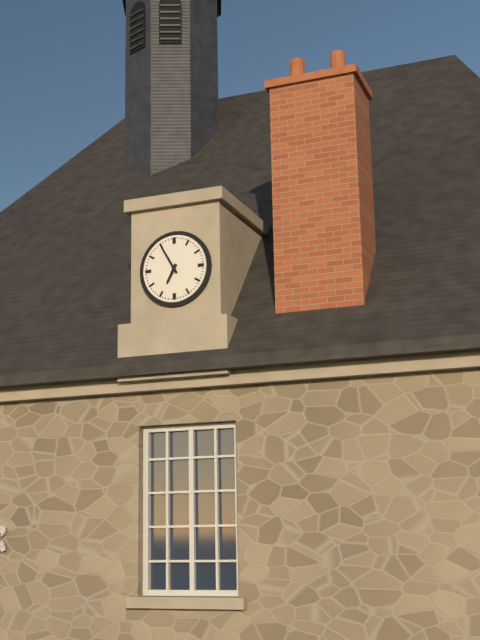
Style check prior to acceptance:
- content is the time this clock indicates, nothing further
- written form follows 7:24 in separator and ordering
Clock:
6:55
